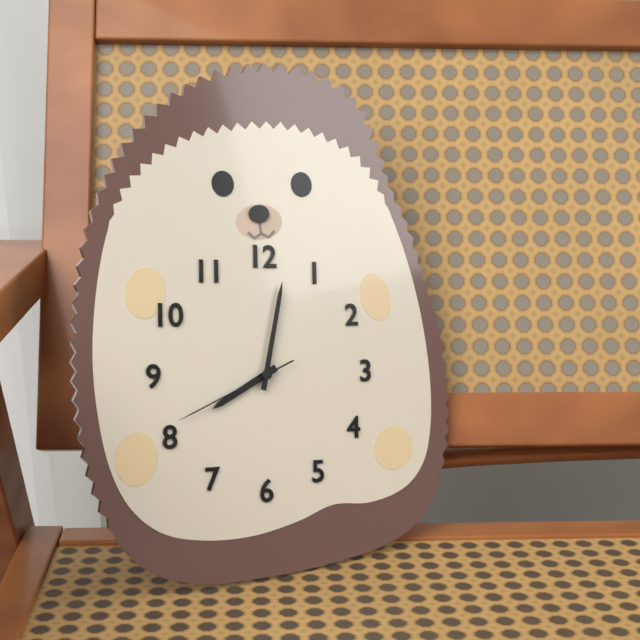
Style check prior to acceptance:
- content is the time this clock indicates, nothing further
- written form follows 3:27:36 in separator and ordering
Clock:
8:02:41
